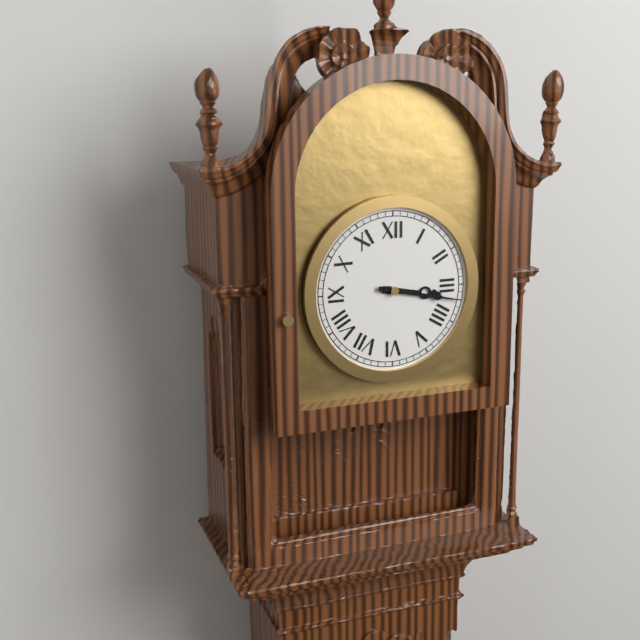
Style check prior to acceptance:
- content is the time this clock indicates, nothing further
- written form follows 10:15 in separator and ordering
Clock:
3:17
